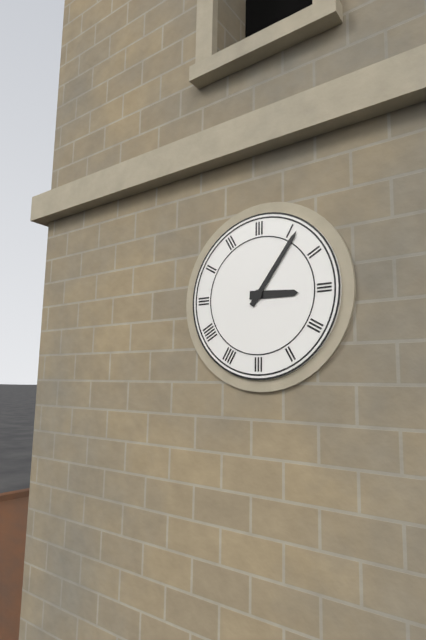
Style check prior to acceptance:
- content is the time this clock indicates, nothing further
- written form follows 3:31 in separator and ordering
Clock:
3:06
